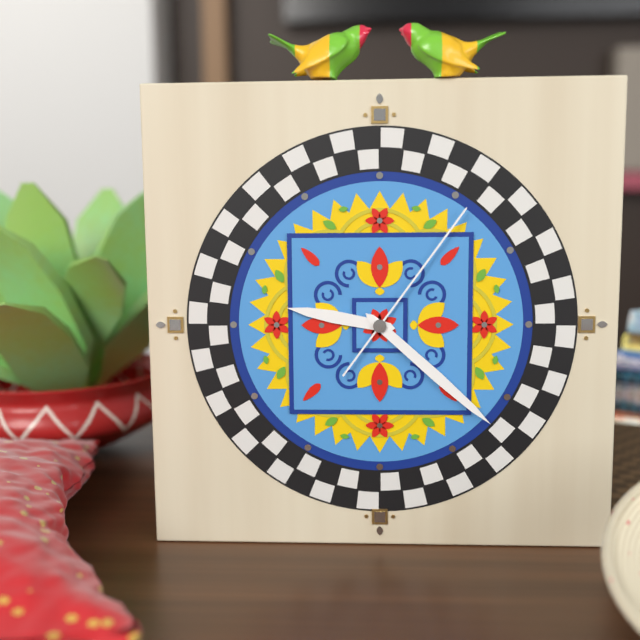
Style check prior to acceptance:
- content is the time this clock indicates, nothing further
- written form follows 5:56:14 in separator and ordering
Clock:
9:22:06
